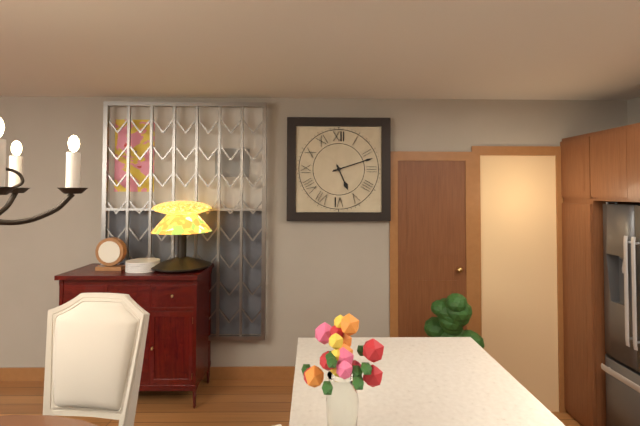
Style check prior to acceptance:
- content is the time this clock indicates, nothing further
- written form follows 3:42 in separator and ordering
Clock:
5:12
